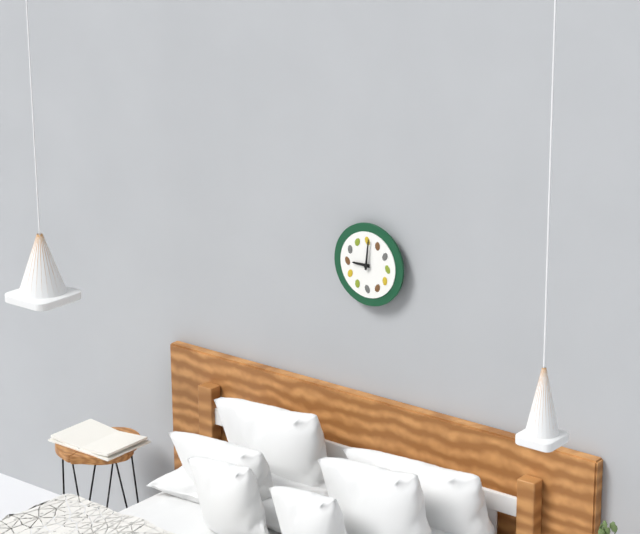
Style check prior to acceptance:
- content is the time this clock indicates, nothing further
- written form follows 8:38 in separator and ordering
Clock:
9:01
